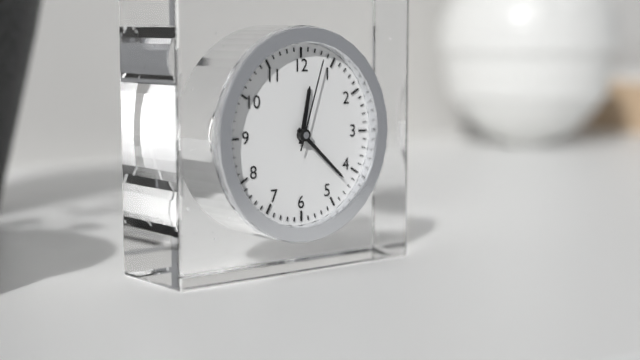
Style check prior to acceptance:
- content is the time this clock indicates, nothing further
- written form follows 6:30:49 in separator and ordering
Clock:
12:22:03
